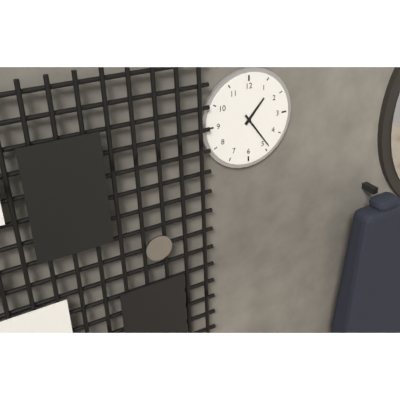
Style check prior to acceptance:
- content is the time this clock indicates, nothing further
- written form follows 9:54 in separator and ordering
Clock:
1:24
